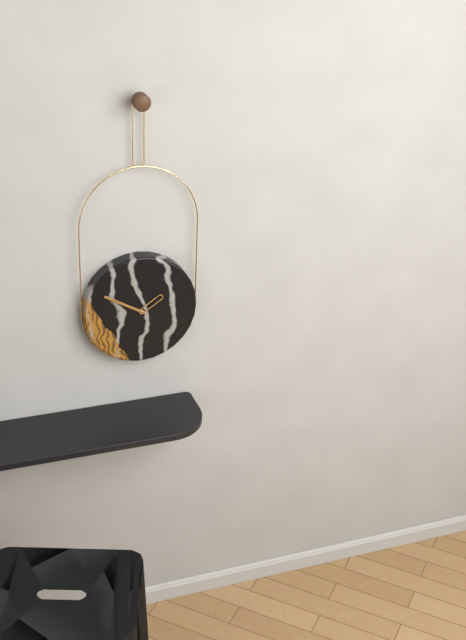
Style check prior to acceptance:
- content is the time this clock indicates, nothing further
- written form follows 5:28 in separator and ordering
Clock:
1:50
